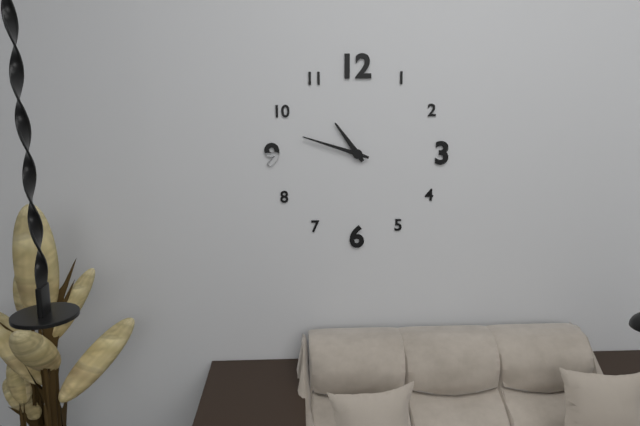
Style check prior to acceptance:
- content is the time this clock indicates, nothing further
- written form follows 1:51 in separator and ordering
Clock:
10:48
